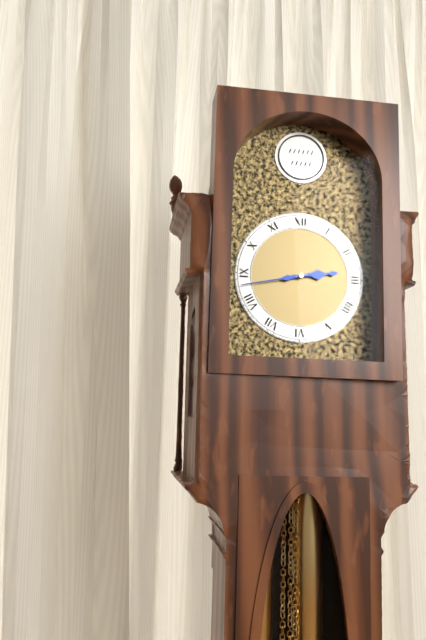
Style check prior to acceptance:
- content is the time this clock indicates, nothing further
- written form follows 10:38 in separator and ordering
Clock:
2:43
